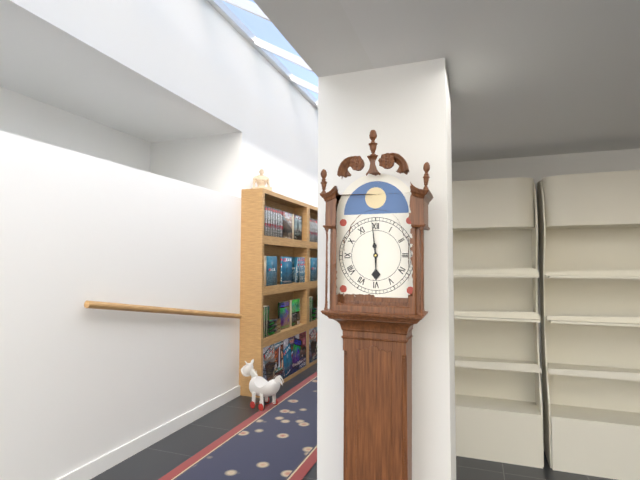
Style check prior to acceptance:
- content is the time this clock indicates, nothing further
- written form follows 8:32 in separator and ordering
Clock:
5:59
